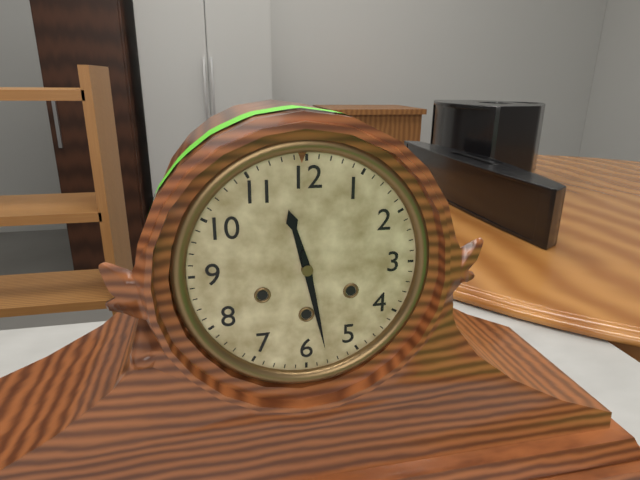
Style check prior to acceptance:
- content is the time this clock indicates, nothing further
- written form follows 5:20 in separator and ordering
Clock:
11:28
